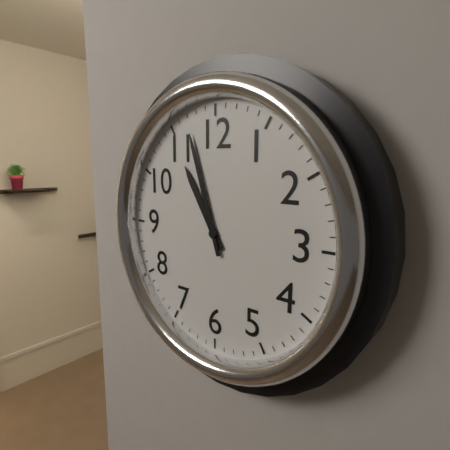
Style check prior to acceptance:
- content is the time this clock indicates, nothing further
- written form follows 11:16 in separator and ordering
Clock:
10:57
